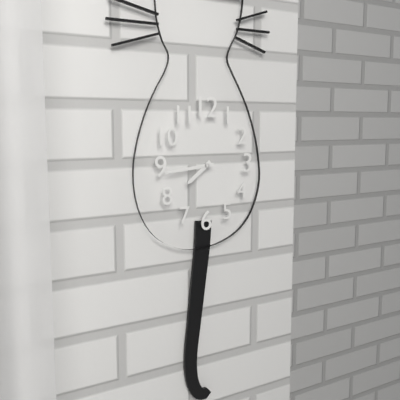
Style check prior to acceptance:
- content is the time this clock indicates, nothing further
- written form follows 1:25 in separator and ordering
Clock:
7:44
